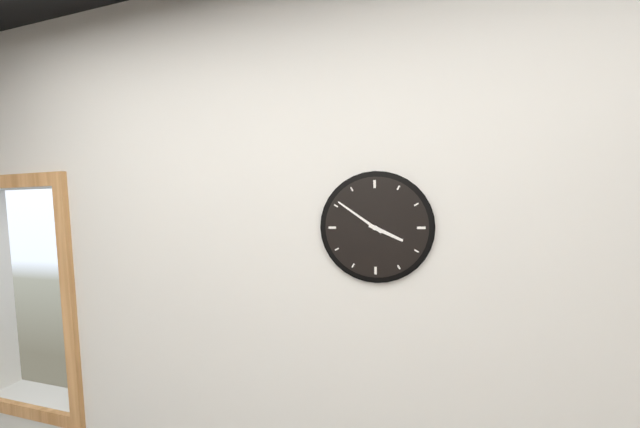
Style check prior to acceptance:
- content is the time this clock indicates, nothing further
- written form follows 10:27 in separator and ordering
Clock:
3:51
